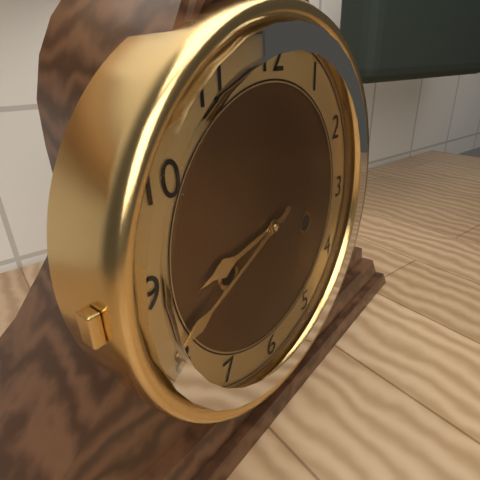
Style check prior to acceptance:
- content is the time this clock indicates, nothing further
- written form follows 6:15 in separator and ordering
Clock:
8:41
